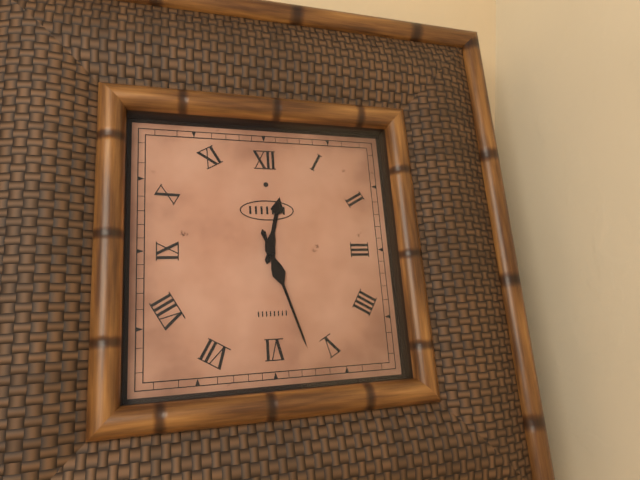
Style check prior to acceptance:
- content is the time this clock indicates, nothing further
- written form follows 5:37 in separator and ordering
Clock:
12:27
